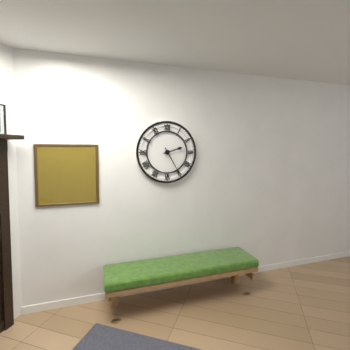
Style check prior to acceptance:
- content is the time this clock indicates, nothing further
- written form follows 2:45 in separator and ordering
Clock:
2:25
